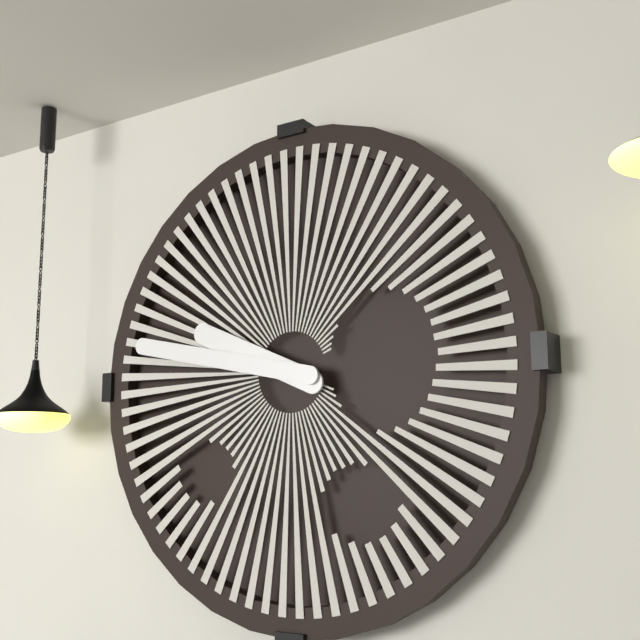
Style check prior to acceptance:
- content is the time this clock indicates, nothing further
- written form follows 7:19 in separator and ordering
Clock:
9:47
